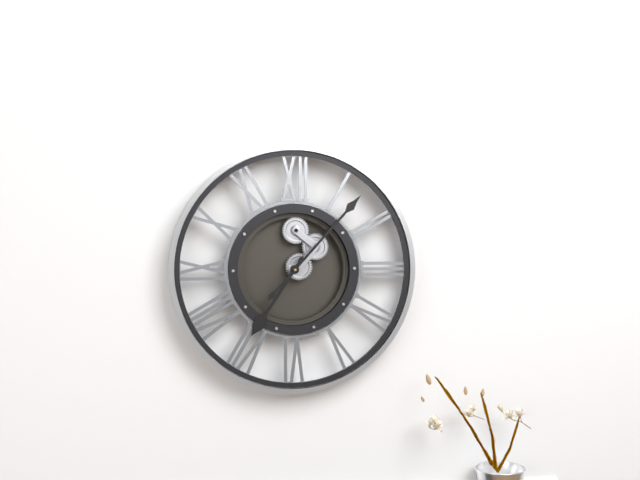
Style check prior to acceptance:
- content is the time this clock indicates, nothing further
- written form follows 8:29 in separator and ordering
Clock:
7:07
